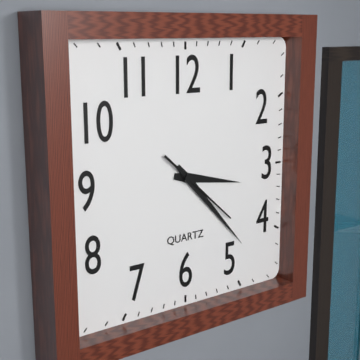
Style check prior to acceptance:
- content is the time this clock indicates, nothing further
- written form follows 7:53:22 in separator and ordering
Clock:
3:23:22
